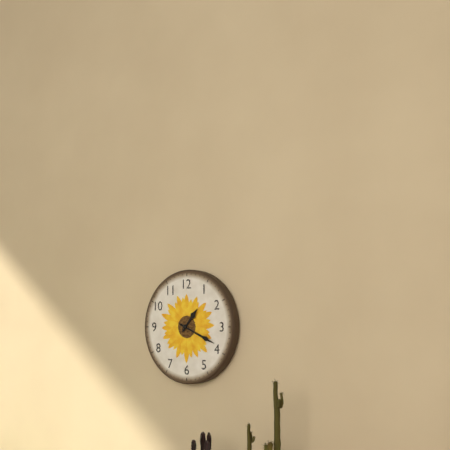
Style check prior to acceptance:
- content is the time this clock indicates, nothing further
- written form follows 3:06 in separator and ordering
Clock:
1:19
